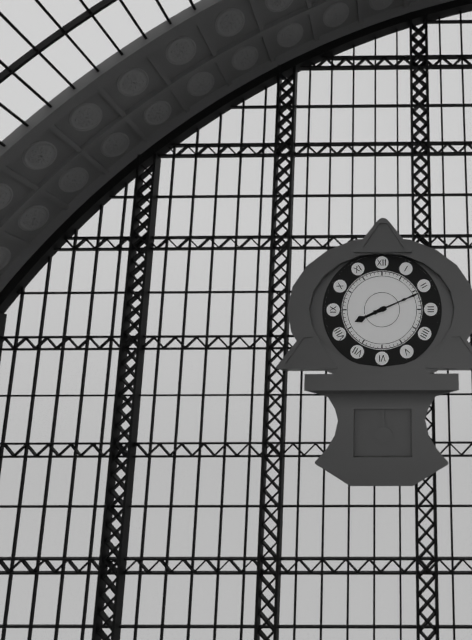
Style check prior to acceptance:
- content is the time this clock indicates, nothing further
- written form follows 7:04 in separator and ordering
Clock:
8:11
